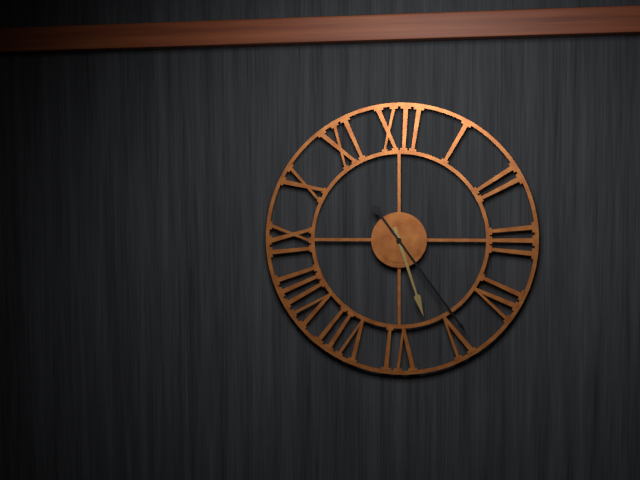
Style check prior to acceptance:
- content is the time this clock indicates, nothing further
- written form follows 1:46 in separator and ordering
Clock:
5:24
